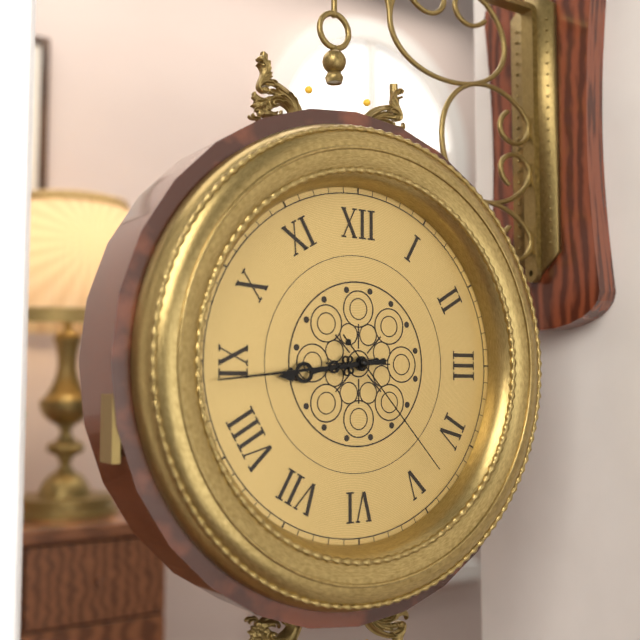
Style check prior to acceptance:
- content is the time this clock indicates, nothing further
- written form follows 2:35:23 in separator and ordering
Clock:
8:44:23
